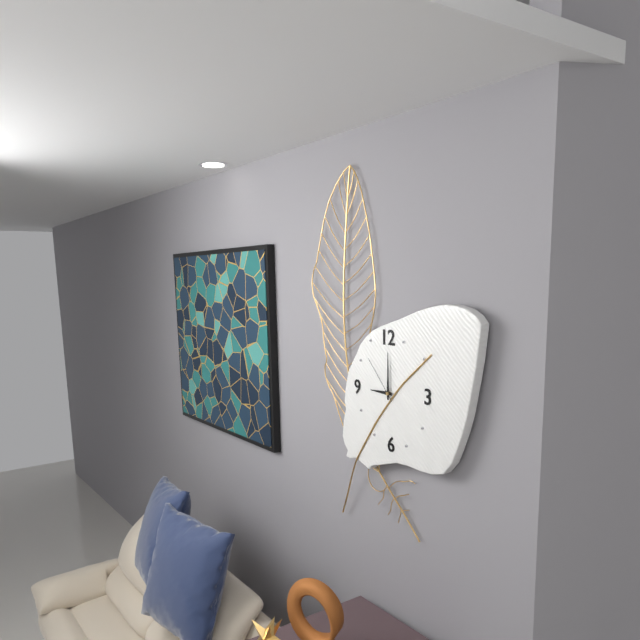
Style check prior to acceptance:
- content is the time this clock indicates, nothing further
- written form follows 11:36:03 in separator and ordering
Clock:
9:00:53
